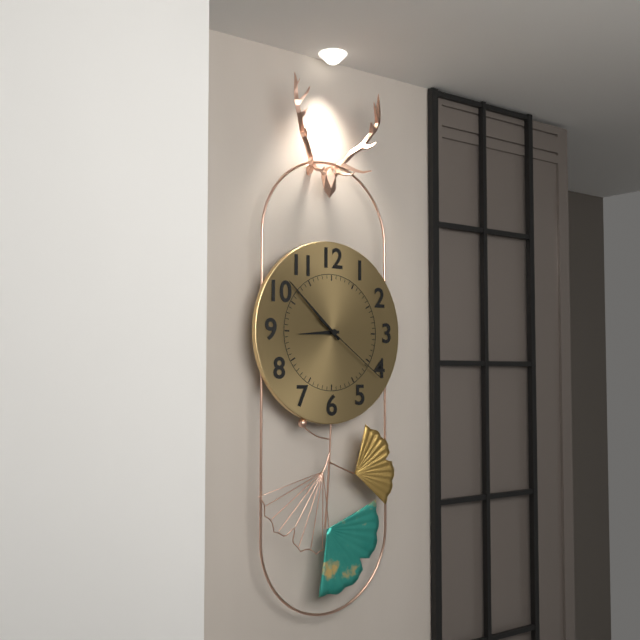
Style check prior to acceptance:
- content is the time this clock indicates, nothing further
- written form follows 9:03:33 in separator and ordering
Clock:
8:52:21
